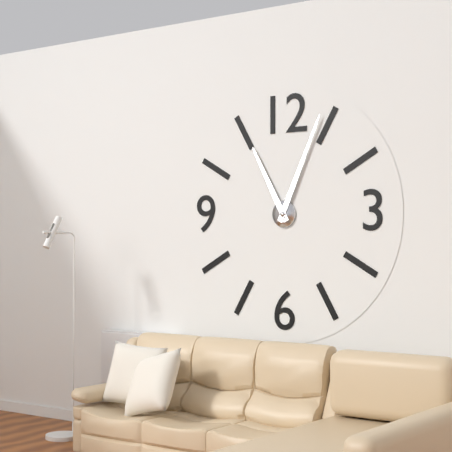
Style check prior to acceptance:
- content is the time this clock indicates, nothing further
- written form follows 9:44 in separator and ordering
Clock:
11:04
